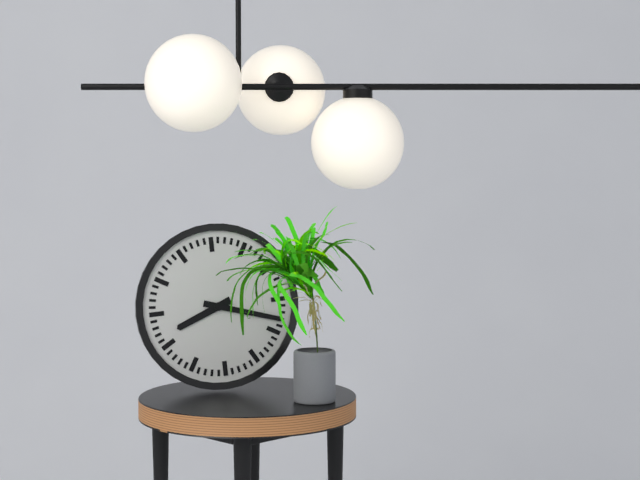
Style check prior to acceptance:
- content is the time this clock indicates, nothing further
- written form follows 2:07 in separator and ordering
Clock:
8:18
